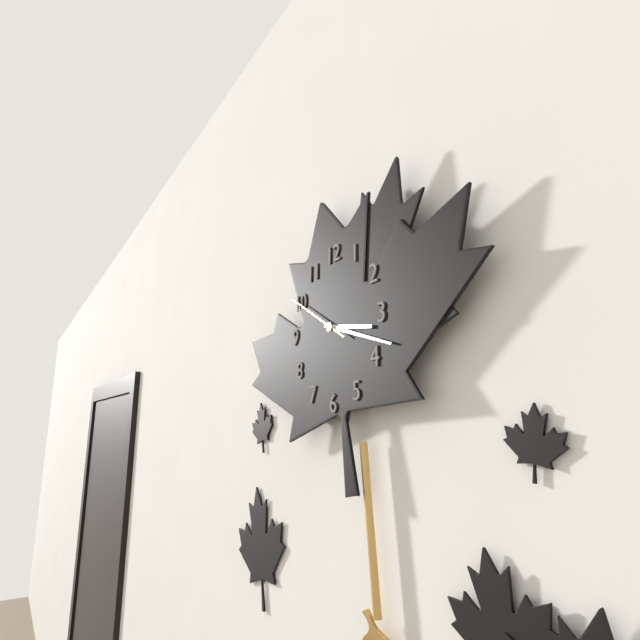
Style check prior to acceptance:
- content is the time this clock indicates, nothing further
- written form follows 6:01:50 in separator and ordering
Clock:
3:18:50
